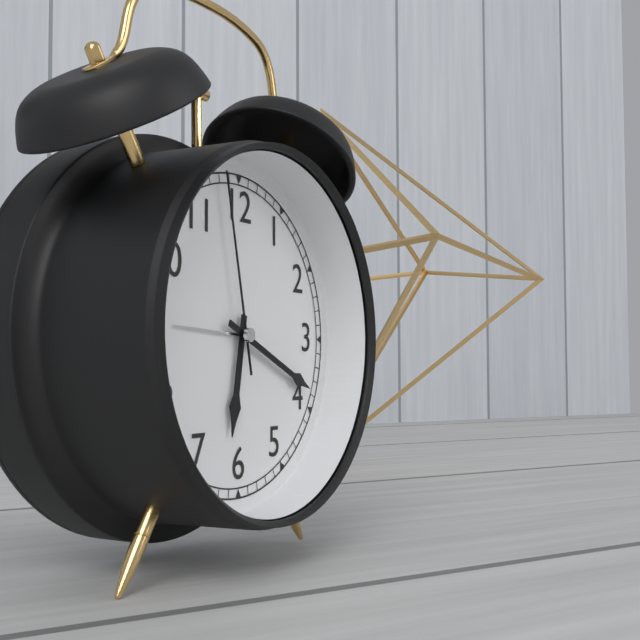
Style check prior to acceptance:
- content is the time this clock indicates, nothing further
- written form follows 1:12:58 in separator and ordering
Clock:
6:19:58
